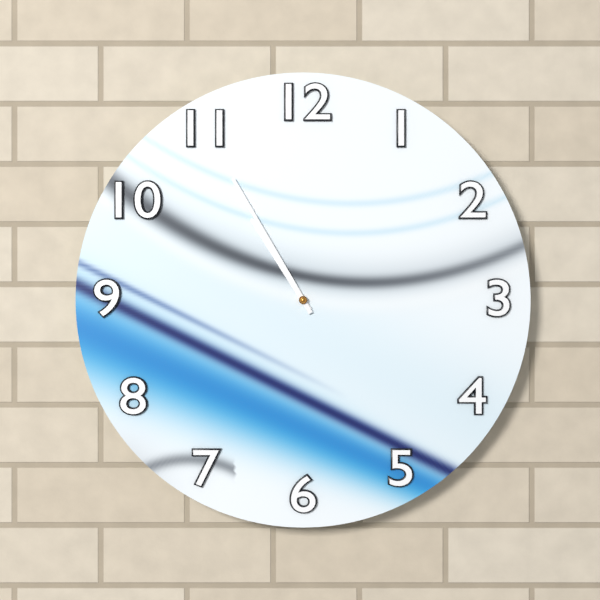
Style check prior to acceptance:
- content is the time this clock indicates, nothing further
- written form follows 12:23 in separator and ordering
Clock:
10:55
